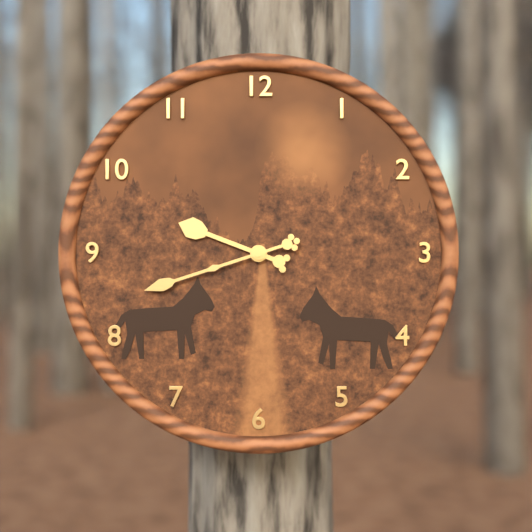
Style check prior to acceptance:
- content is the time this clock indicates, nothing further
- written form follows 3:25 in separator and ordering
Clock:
9:42
